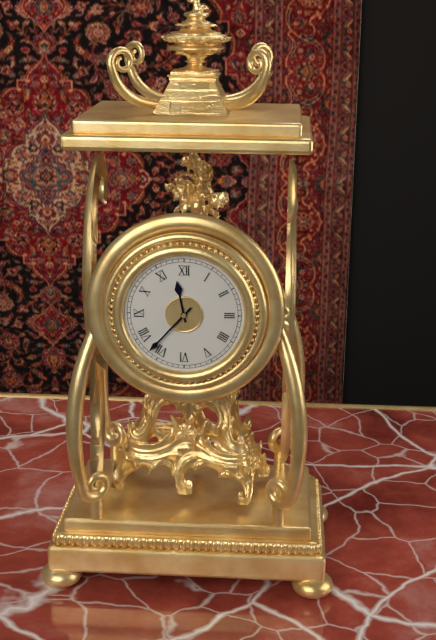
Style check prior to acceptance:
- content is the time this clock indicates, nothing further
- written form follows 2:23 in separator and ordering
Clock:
11:37
